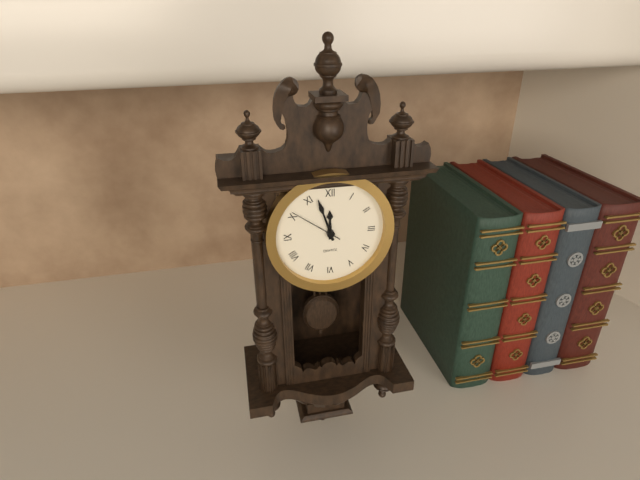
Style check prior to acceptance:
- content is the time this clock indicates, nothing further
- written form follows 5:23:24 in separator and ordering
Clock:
11:57:51
